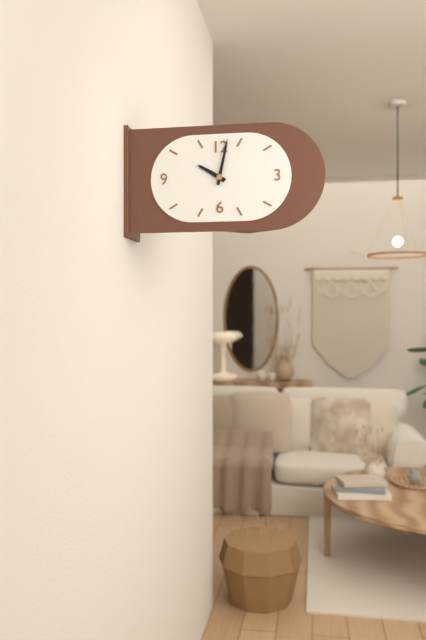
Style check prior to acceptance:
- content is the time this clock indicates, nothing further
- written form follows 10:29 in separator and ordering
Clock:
10:02
